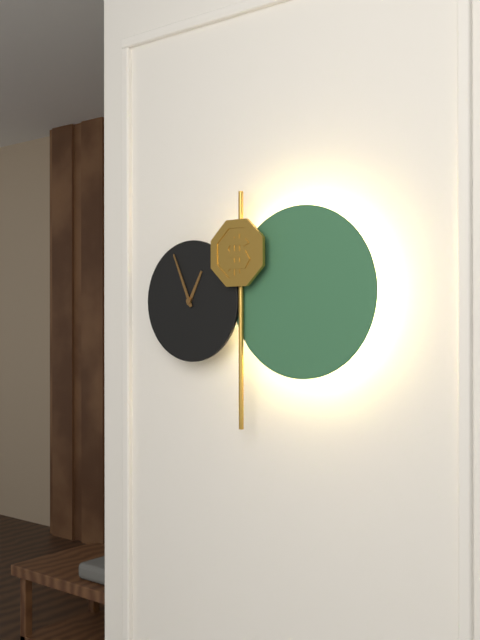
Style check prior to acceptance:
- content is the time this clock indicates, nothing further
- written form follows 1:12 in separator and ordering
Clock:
12:56
